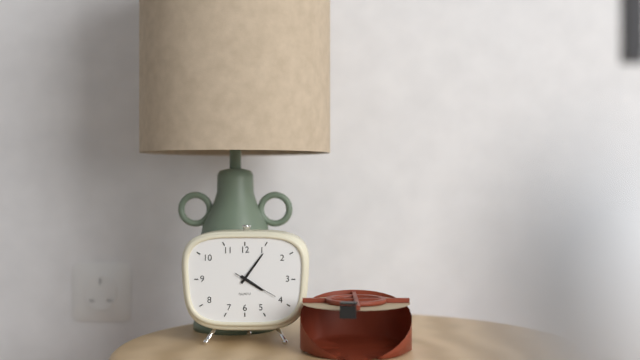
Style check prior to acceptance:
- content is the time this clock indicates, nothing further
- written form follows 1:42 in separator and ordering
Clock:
4:06
